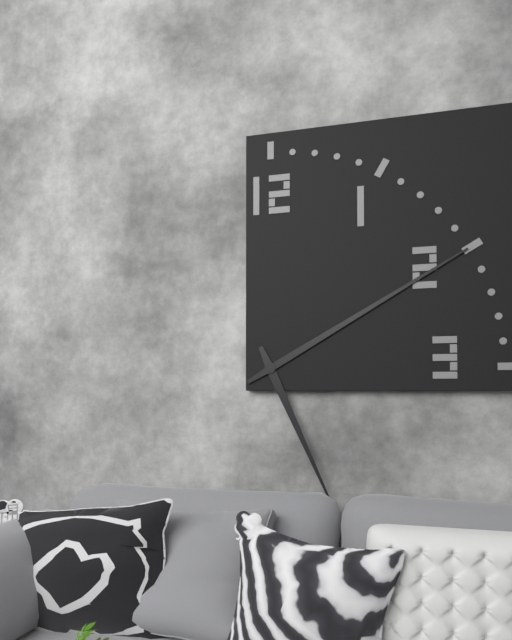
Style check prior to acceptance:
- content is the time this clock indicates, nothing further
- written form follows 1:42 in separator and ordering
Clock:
5:10
